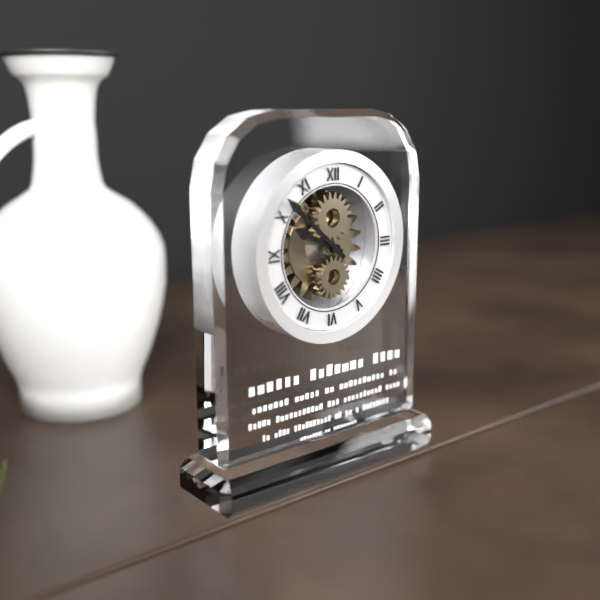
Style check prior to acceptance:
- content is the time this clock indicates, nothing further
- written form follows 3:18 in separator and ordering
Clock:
9:52
